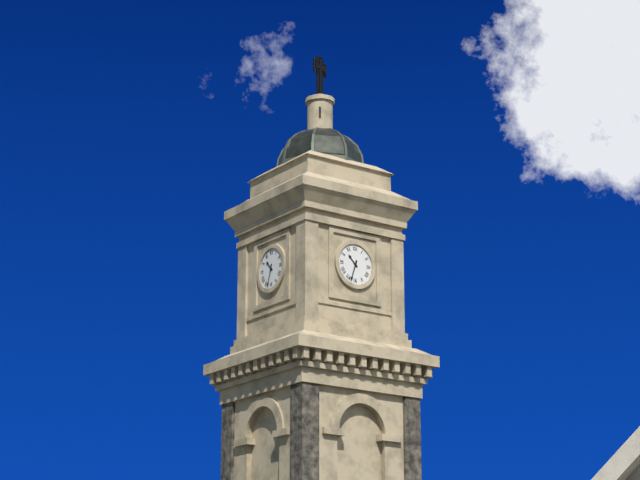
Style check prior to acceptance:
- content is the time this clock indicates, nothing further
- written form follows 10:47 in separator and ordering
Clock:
10:33
